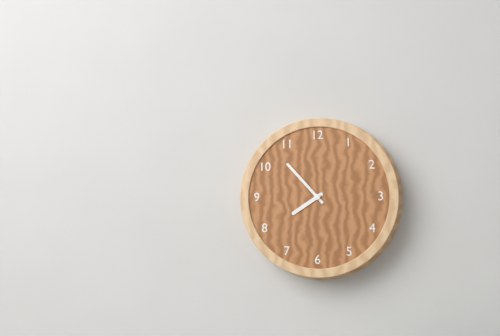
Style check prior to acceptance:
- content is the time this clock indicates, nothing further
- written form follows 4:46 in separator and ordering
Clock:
7:53
